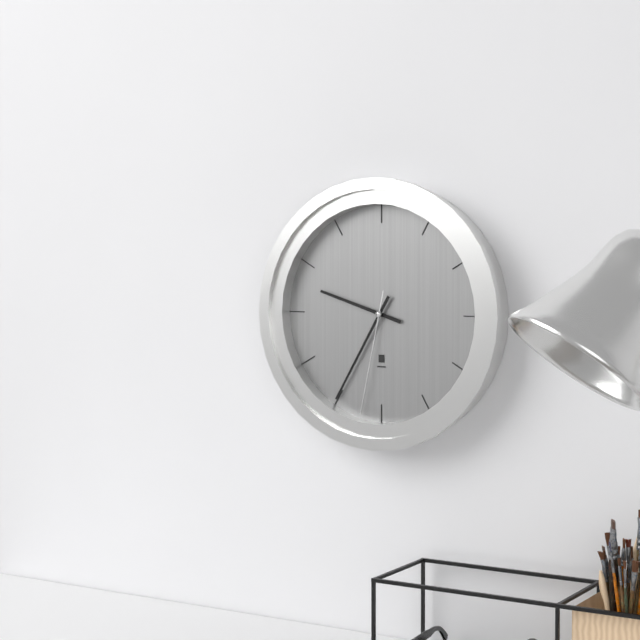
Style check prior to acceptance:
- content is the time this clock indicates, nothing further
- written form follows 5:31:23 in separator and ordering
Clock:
9:35:32
